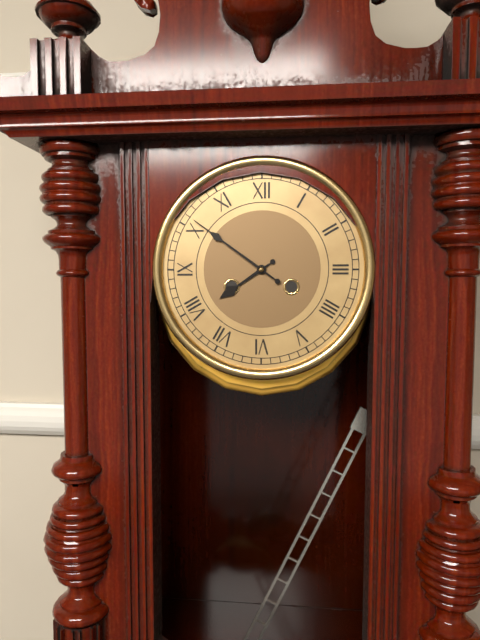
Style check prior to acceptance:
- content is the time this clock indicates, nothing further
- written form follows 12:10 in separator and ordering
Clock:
7:51
